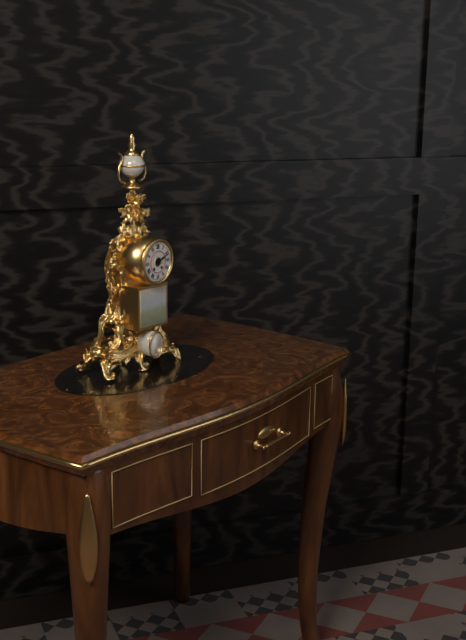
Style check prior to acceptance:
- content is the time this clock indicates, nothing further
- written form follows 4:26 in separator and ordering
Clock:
2:11
